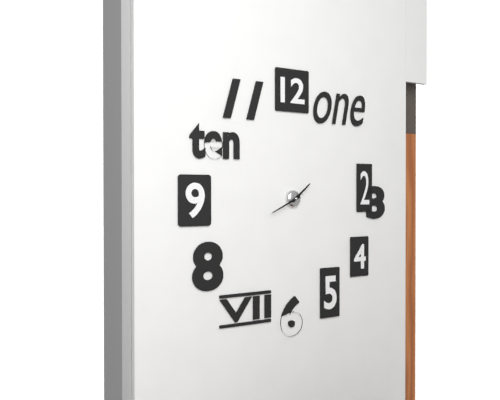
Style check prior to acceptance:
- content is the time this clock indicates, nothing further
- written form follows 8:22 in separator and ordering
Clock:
1:41
